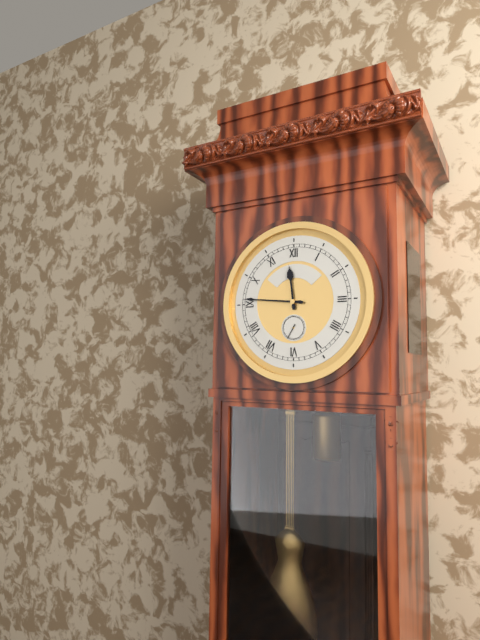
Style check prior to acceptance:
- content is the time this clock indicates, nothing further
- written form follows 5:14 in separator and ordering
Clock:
11:46
